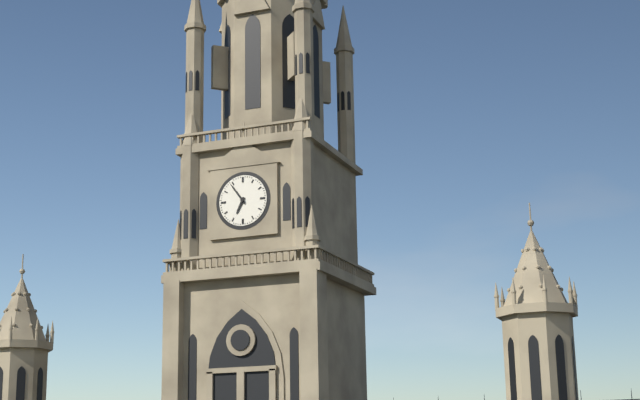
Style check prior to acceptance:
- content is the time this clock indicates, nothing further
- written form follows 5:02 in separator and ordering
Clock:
6:54
